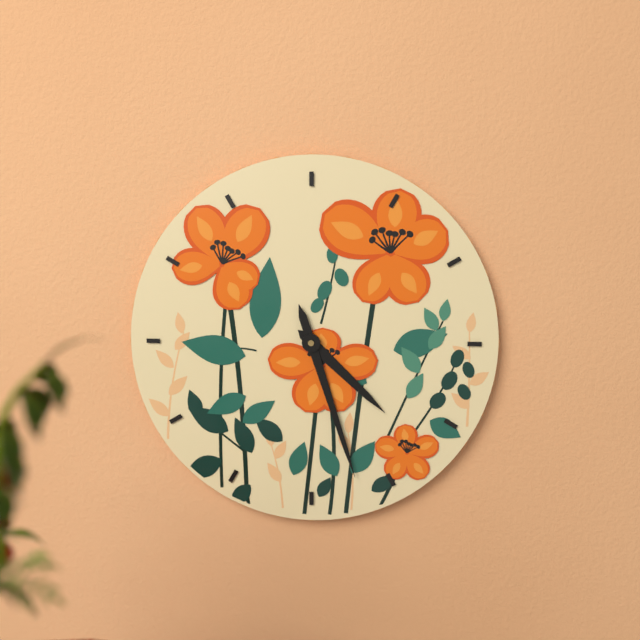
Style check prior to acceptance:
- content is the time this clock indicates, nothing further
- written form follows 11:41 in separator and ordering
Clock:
4:27
